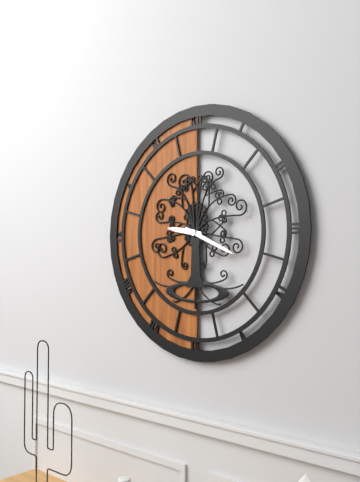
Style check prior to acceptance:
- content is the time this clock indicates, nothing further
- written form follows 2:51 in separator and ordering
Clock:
9:19
